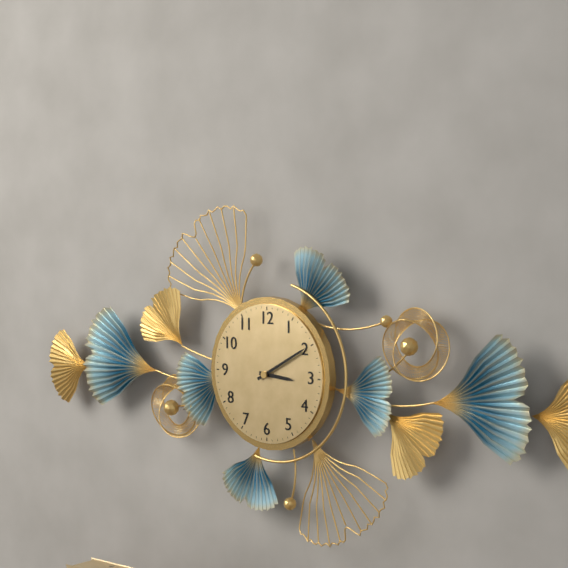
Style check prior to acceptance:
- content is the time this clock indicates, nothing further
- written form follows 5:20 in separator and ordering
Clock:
3:10
